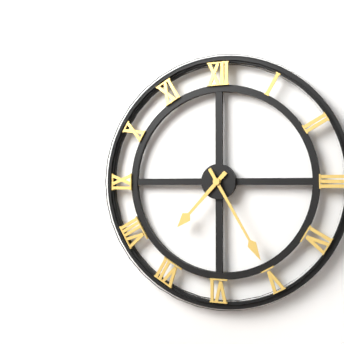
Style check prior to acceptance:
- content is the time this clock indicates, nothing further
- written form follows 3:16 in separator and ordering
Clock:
7:25
